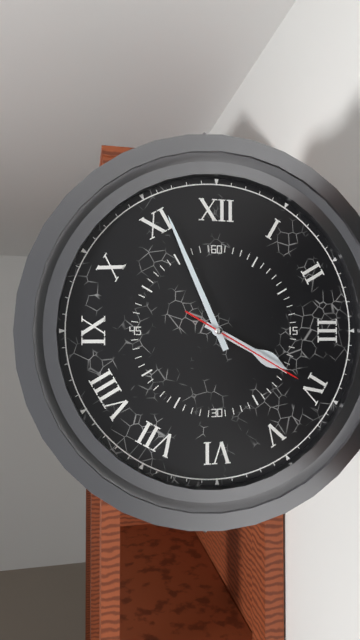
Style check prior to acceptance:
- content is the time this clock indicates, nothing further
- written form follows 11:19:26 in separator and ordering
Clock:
3:56:20
